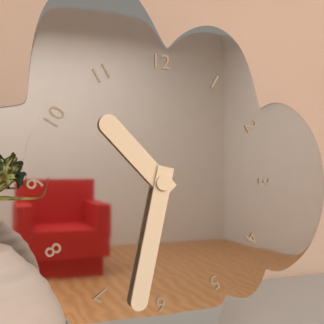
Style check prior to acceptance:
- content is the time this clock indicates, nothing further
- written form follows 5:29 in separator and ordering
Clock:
10:32
